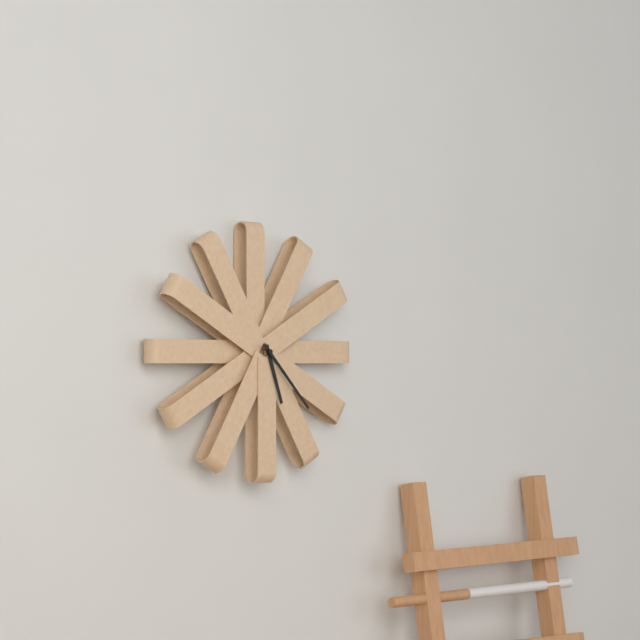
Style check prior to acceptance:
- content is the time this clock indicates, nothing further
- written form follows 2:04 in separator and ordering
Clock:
5:23
